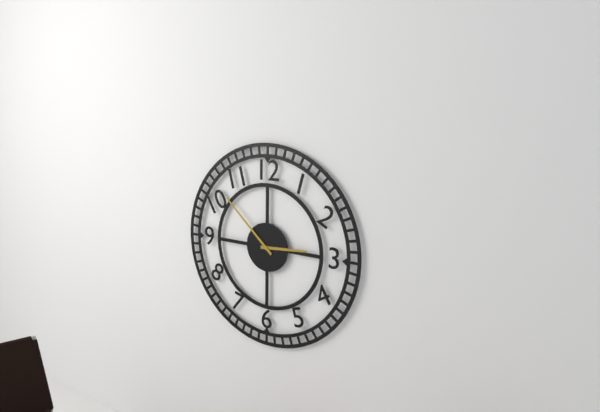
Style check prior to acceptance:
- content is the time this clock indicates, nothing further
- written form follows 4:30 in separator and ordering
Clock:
2:52
